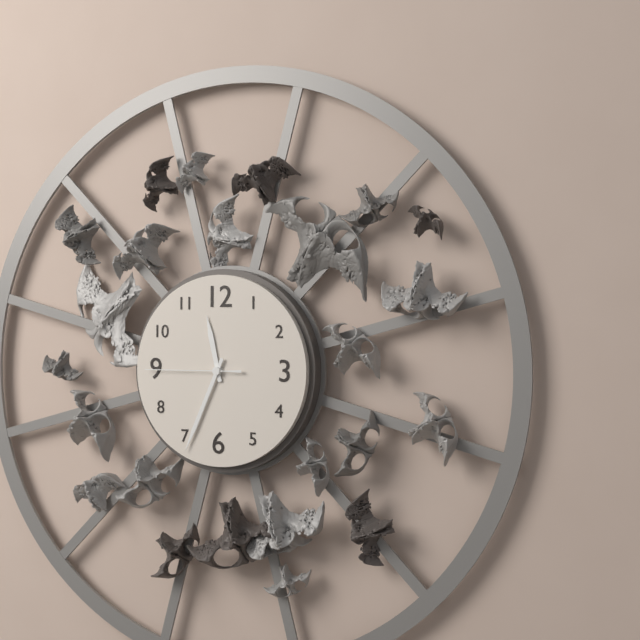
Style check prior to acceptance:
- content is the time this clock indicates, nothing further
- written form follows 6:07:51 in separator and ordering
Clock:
11:34:45
